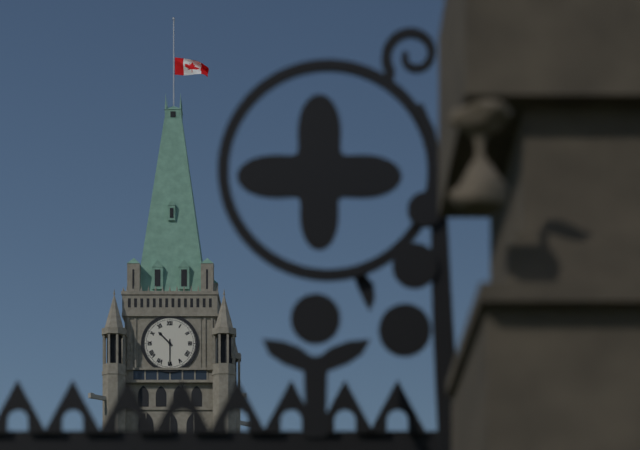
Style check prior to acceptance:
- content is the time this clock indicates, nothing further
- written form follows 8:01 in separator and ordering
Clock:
10:30
